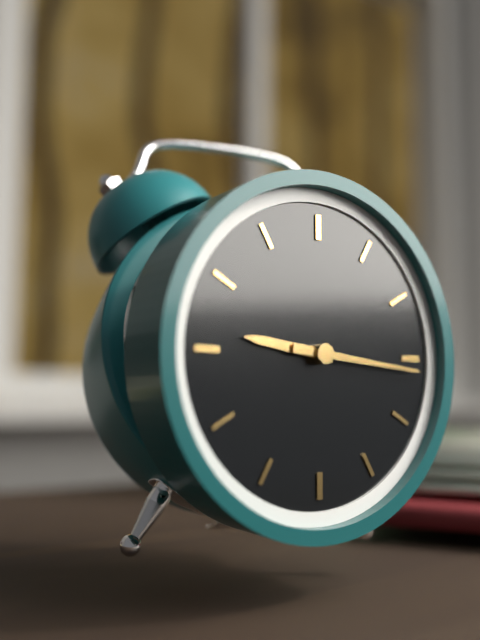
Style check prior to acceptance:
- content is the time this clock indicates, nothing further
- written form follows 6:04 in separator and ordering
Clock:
9:16
